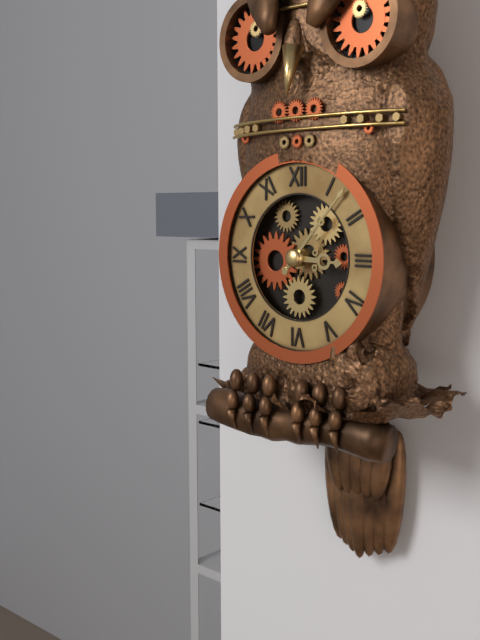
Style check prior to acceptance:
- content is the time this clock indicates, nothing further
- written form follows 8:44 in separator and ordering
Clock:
3:07
